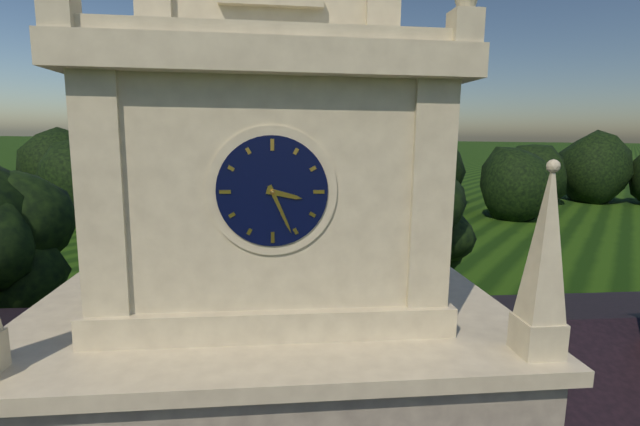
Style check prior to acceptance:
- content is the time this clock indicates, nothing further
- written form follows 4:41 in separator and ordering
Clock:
3:26
